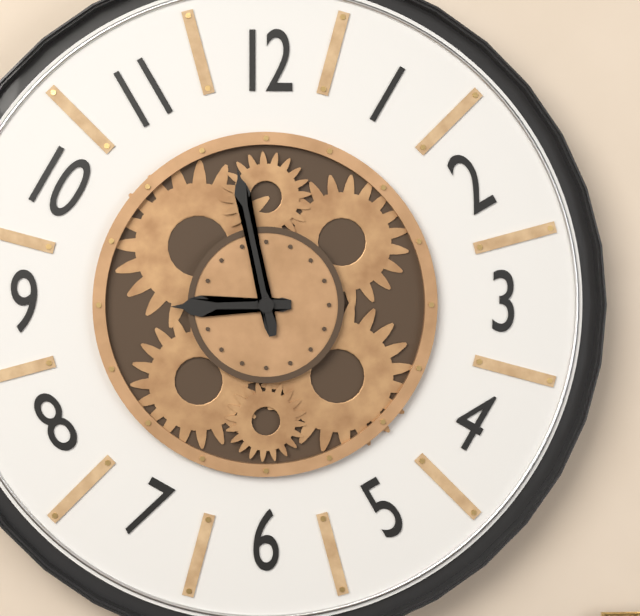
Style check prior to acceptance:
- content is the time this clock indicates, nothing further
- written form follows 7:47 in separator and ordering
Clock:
8:58
